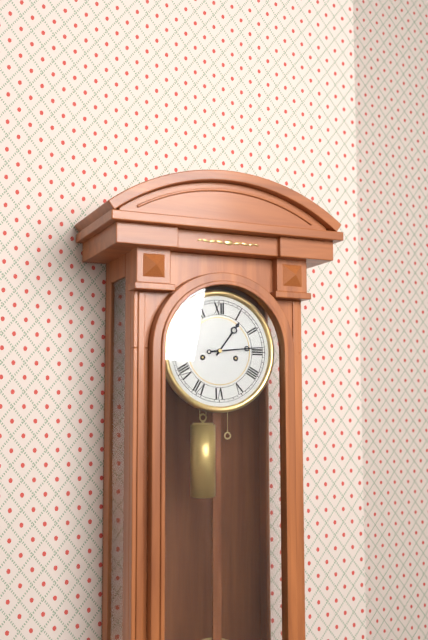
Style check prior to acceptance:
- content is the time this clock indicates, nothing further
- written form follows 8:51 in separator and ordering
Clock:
1:14
